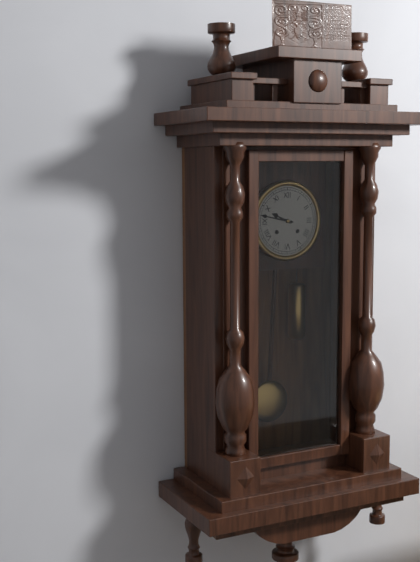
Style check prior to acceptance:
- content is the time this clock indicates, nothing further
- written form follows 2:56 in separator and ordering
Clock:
9:47
